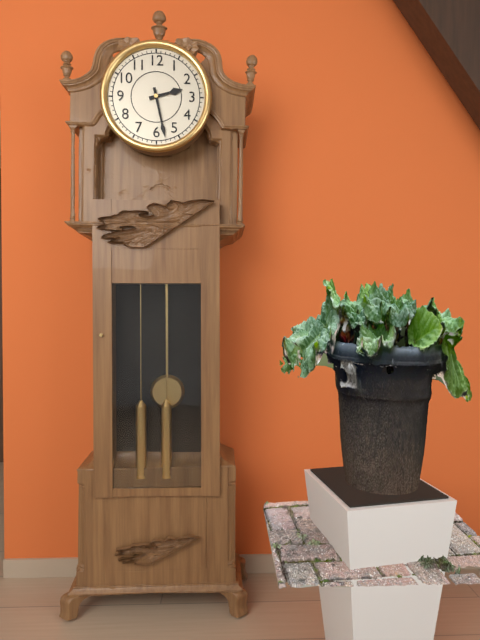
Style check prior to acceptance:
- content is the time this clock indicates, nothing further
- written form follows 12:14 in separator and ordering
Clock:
2:28
